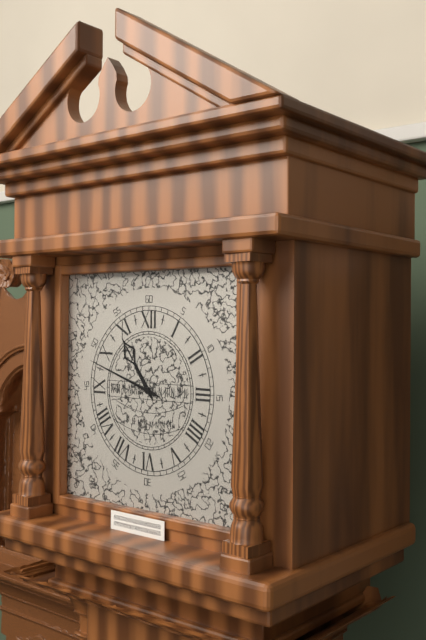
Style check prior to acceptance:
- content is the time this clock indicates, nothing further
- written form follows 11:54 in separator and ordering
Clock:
10:48
